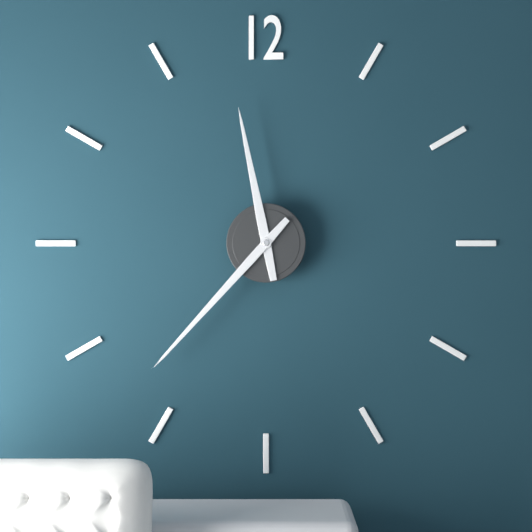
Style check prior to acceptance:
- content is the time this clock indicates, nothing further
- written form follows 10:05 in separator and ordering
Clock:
11:37
